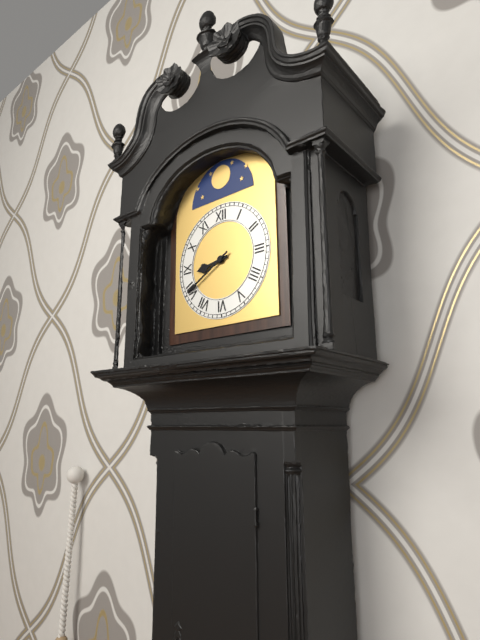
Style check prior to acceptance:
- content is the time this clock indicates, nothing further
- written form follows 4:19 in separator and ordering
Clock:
8:40
